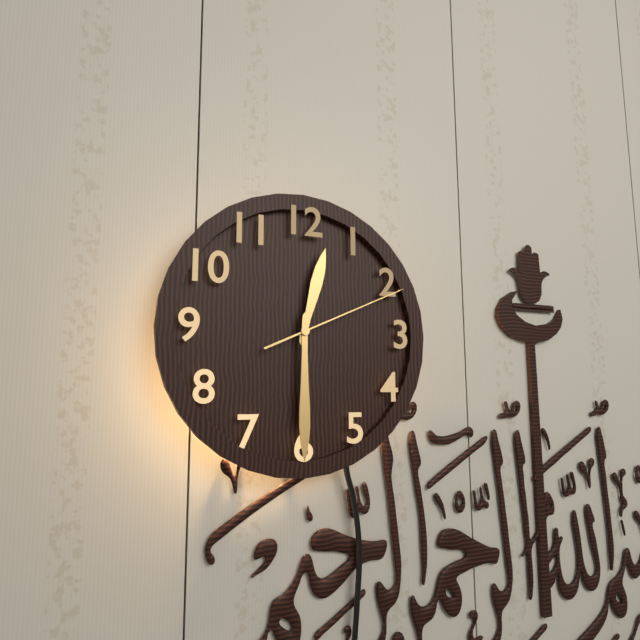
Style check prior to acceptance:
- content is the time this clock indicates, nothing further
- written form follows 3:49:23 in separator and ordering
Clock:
12:30:11
